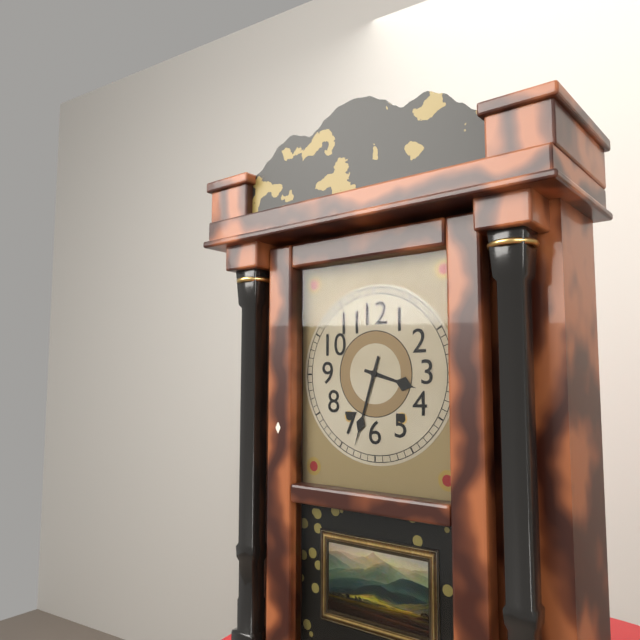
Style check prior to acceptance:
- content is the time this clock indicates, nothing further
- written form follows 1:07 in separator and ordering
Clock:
3:33
